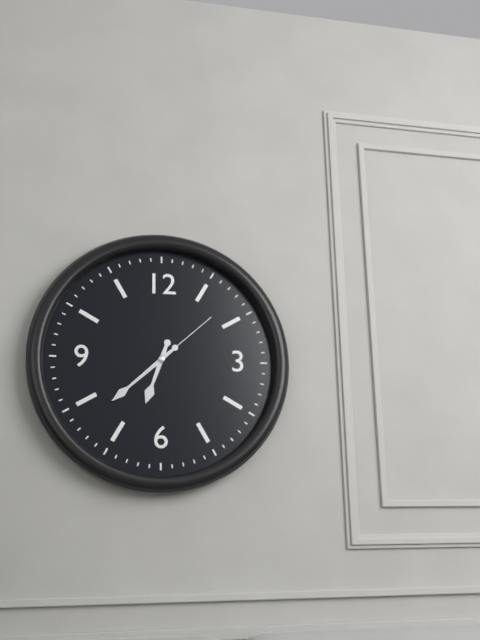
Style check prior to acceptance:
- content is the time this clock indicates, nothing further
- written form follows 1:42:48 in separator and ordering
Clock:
6:38:08
